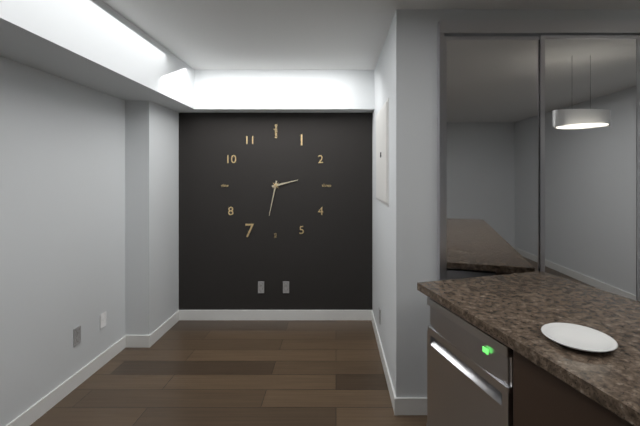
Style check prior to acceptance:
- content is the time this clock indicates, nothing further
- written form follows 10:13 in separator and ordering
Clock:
2:32
